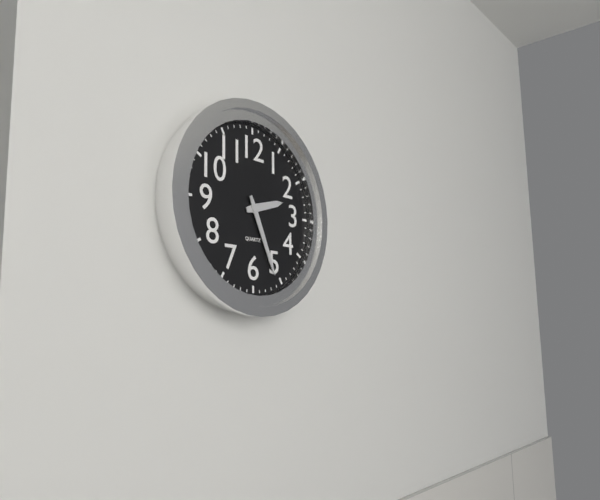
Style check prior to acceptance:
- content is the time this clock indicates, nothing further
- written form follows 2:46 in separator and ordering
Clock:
2:26
